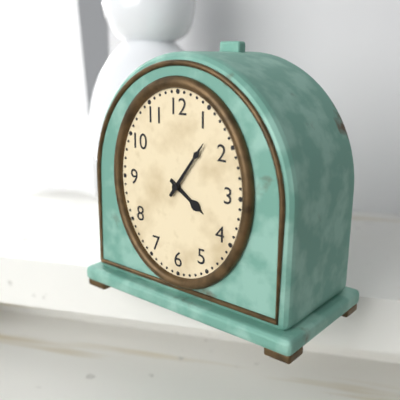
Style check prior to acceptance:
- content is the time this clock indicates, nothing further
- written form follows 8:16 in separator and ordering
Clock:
4:06
